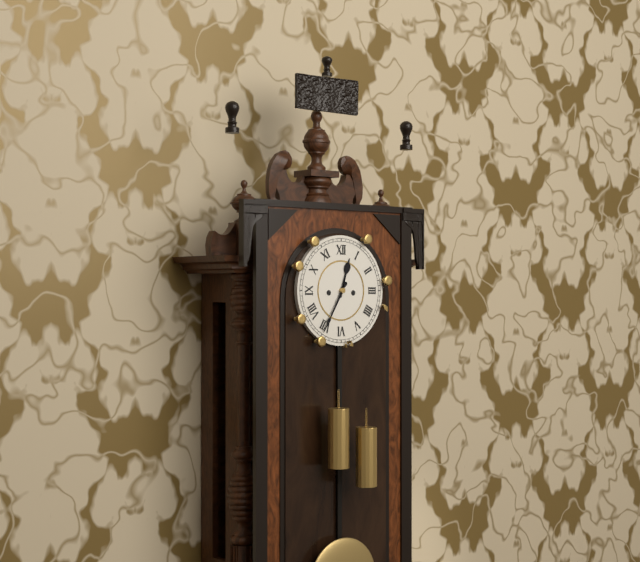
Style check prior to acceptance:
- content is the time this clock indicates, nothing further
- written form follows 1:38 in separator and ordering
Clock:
12:35
